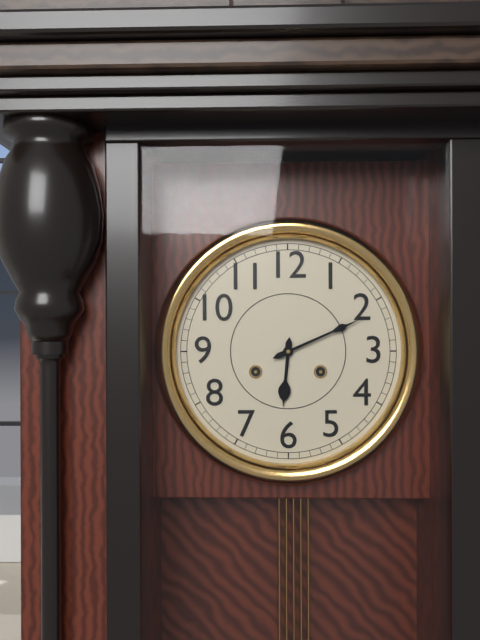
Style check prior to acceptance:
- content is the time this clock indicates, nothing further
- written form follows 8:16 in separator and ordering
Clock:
6:11
